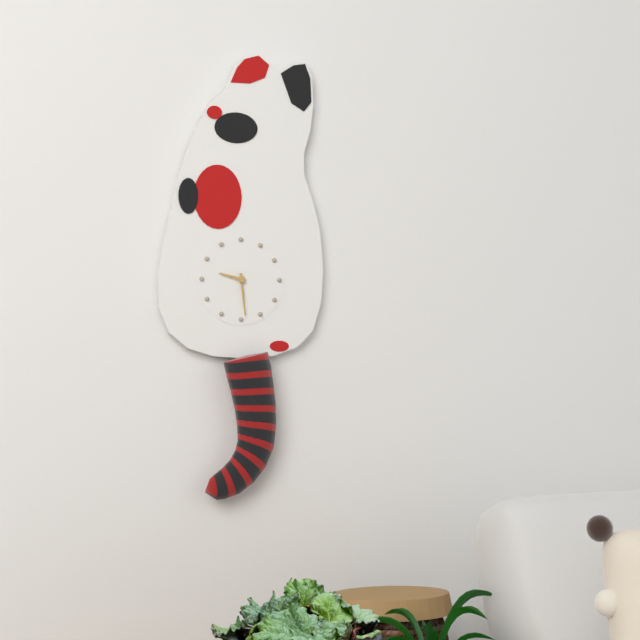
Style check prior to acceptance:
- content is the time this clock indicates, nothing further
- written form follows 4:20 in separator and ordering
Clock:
9:29
